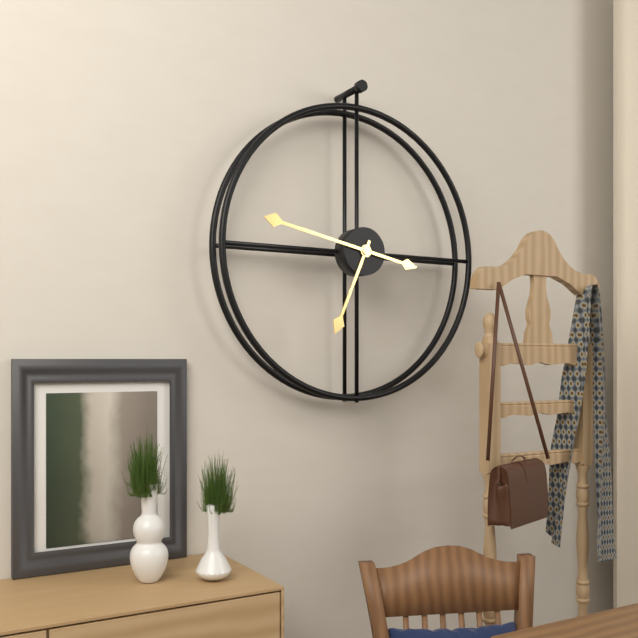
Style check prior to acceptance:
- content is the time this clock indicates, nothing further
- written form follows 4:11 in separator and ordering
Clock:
6:47
